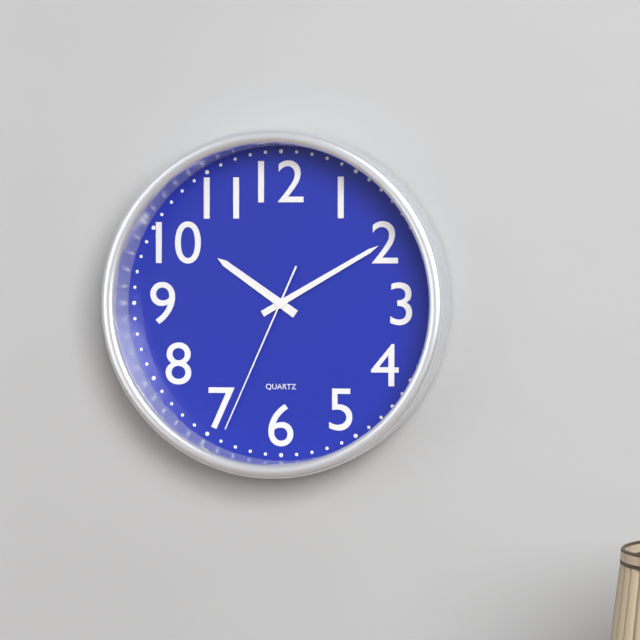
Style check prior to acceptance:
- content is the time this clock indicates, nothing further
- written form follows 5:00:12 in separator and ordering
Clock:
10:10:34
